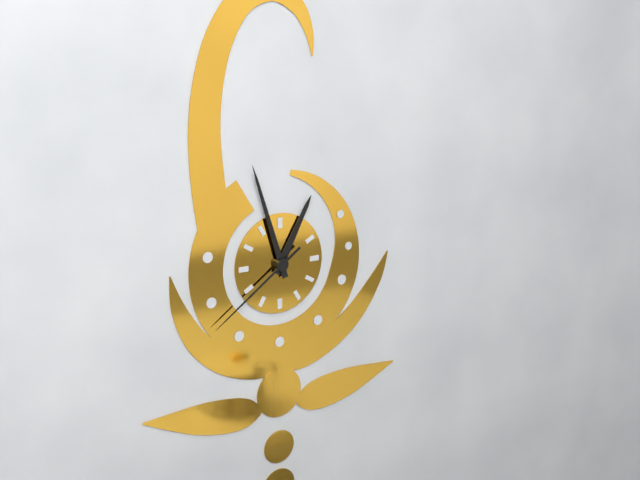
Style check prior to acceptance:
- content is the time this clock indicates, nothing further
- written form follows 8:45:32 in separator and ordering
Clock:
12:57:39
